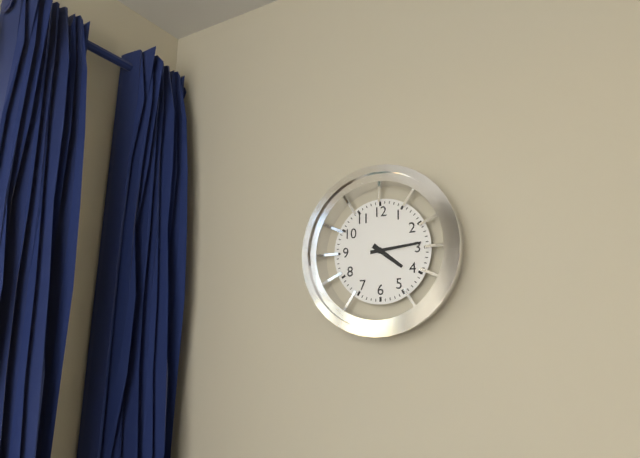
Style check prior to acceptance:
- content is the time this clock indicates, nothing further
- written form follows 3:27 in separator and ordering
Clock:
4:14
